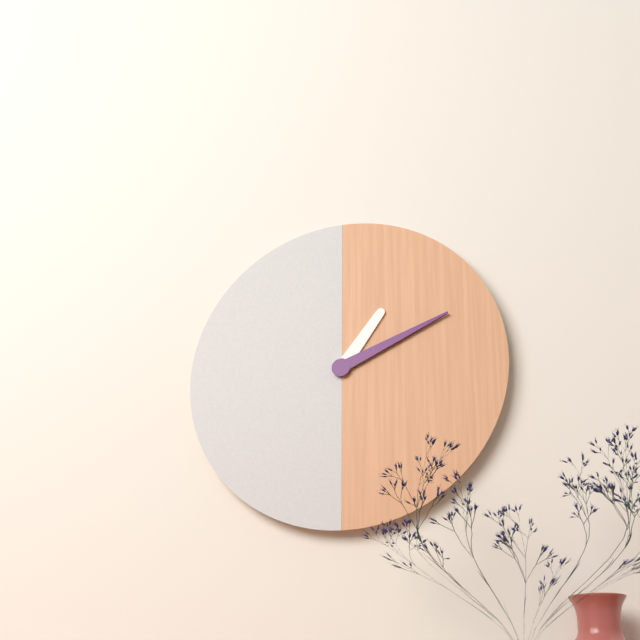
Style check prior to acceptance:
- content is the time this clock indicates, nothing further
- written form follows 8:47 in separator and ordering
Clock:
1:11
